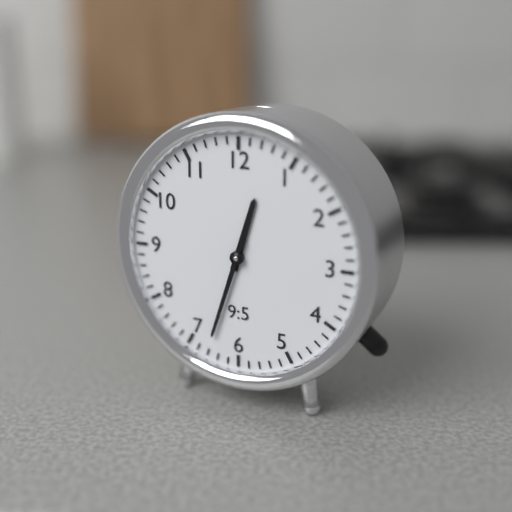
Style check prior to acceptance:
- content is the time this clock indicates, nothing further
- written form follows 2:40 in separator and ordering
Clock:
12:33
